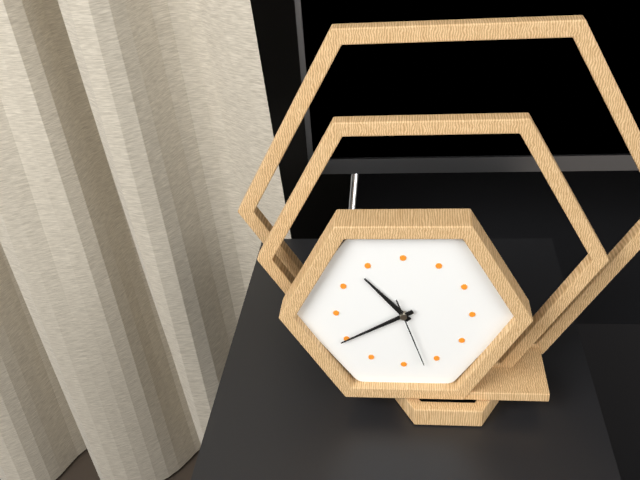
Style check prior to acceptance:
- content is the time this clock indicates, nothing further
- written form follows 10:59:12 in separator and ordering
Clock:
10:40:27
